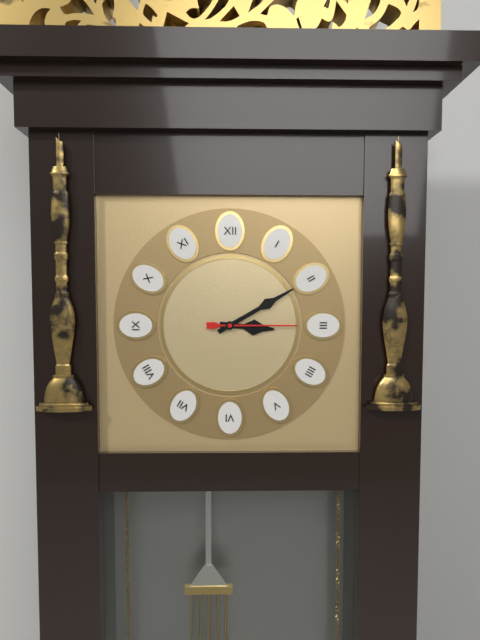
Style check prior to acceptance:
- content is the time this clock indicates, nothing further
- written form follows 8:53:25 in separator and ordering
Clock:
3:10:15
